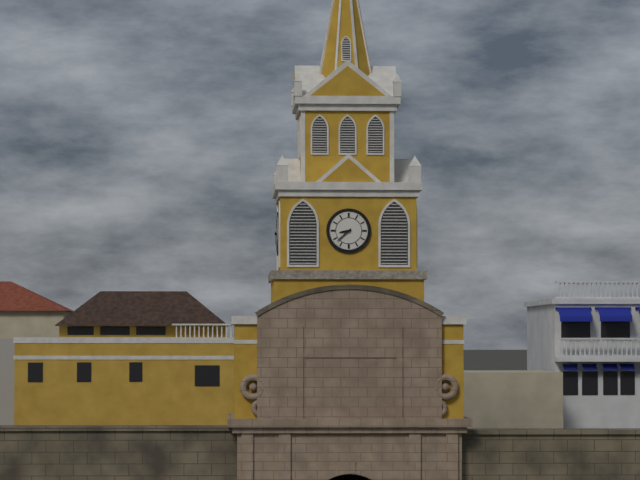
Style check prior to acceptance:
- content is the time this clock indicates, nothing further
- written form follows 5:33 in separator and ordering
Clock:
8:38
